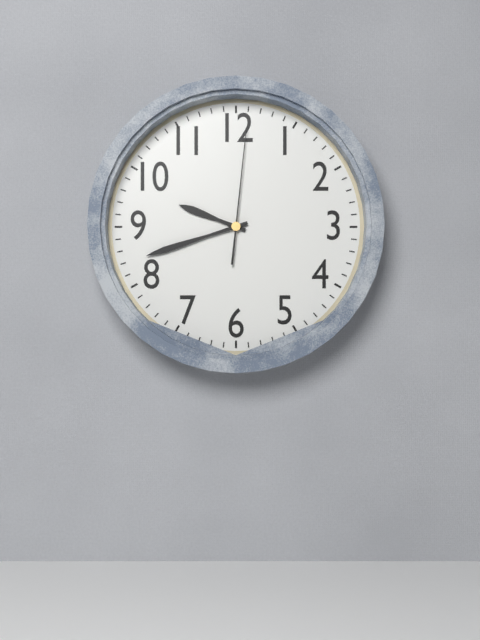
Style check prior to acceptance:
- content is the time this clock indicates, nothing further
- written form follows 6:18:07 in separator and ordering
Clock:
9:42:01
